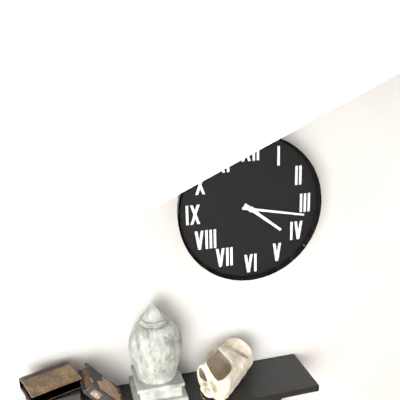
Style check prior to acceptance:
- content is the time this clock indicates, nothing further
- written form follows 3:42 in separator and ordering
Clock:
4:17
